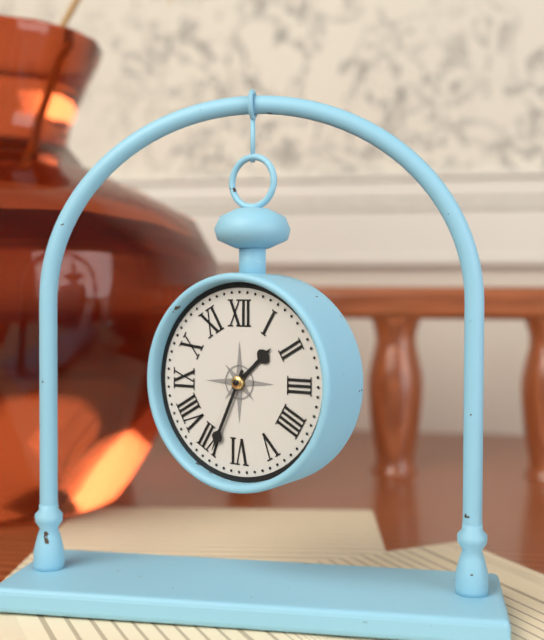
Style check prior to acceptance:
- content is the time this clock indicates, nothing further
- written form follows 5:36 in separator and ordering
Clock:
1:34
